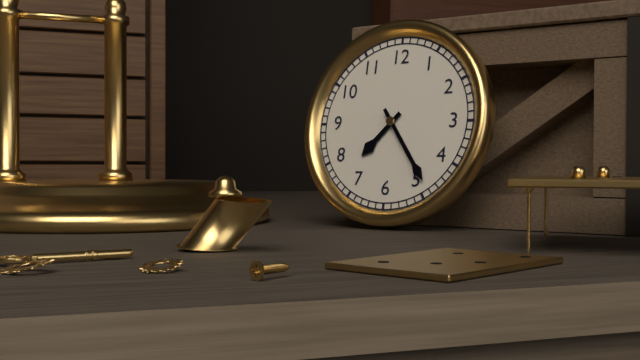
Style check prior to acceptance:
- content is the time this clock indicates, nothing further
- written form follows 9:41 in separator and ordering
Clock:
7:24
